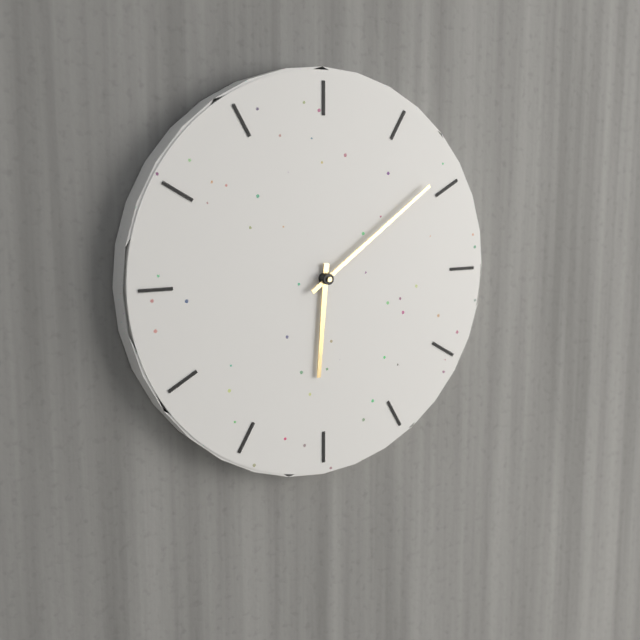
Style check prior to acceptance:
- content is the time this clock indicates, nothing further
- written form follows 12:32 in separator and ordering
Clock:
6:09
